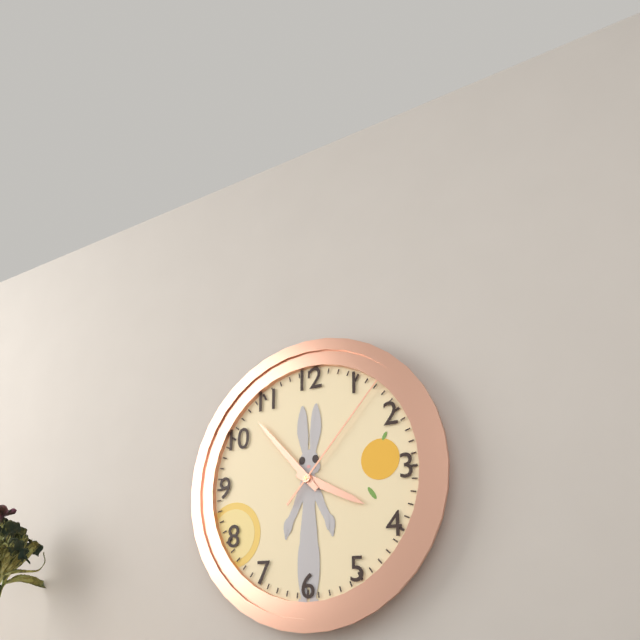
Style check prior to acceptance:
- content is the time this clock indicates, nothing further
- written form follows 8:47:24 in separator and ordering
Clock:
3:53:07
